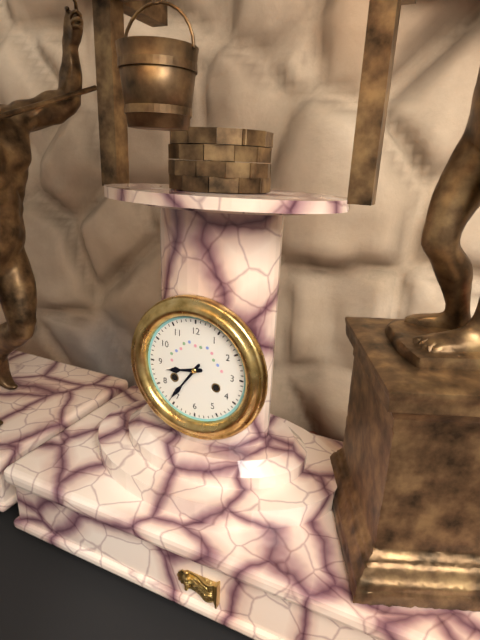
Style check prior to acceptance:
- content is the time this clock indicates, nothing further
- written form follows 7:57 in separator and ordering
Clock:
8:36
